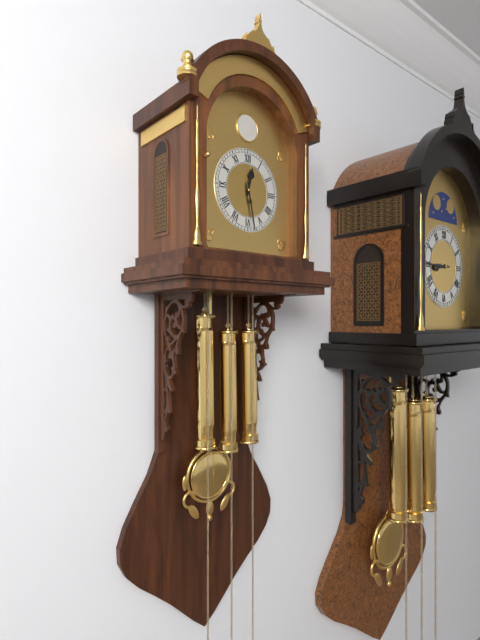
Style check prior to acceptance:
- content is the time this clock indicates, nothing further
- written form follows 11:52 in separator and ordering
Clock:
12:28
